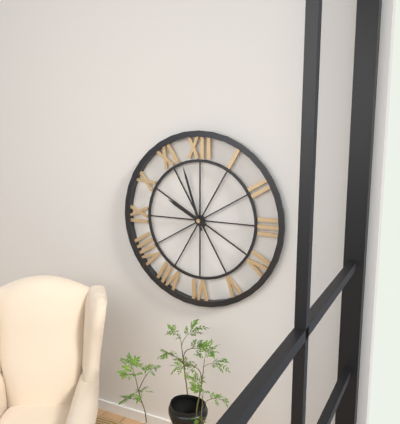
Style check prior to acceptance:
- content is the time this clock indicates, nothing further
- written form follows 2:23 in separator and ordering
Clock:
9:57
